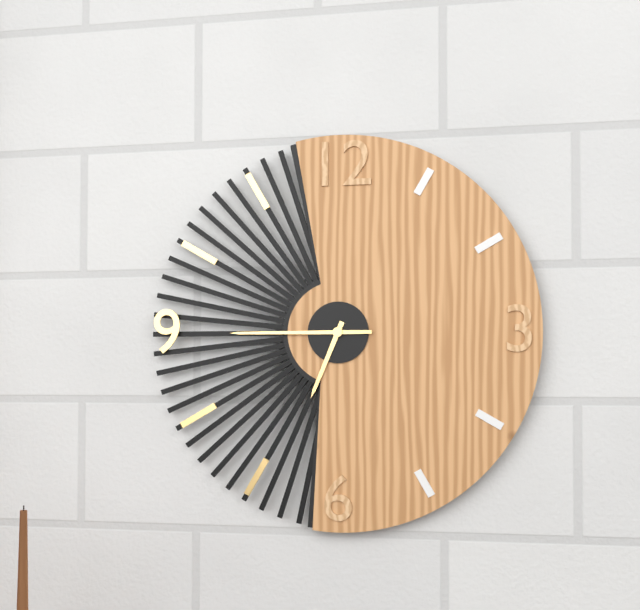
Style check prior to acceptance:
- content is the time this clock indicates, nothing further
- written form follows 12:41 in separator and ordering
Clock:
6:45
